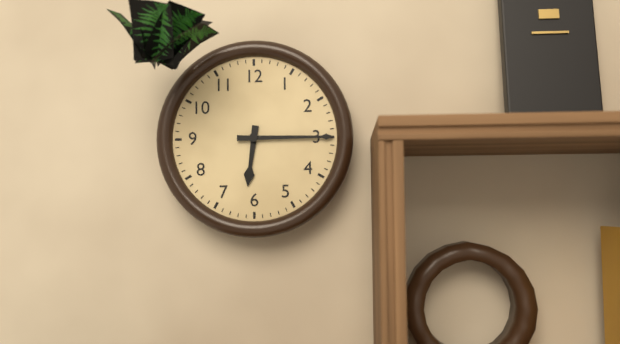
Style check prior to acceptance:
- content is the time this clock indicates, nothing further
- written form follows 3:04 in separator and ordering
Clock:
6:15
